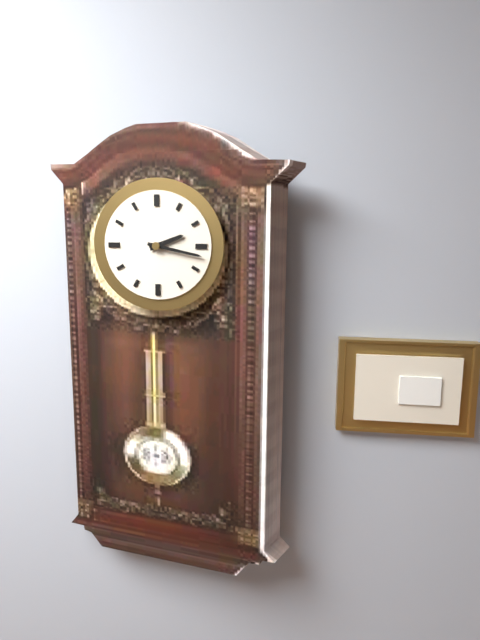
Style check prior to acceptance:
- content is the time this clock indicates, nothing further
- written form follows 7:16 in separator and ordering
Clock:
2:17
